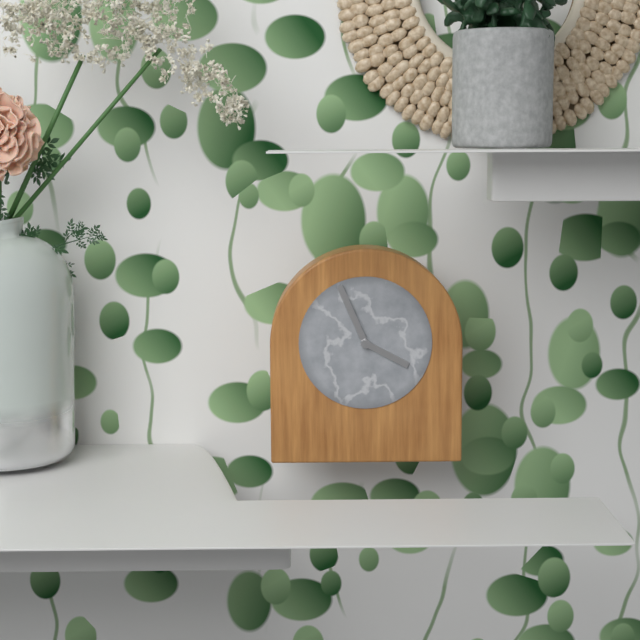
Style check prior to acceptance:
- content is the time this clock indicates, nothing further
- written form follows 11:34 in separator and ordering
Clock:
3:56
